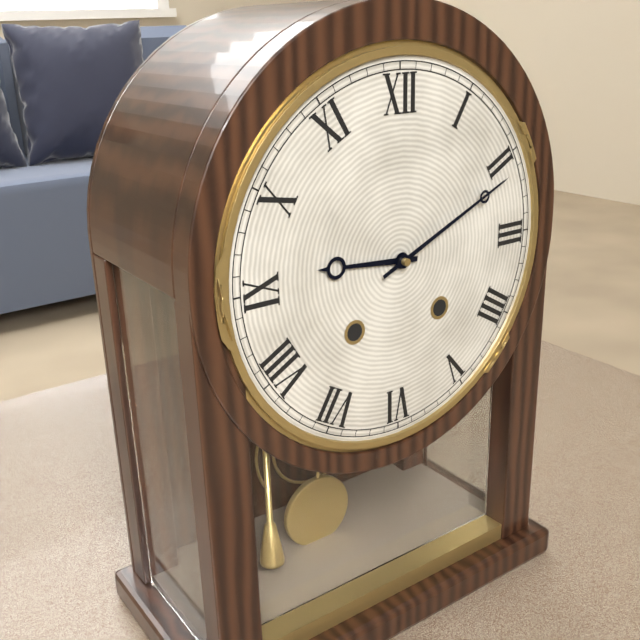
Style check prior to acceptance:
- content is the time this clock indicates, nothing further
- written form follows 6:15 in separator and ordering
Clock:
9:11
